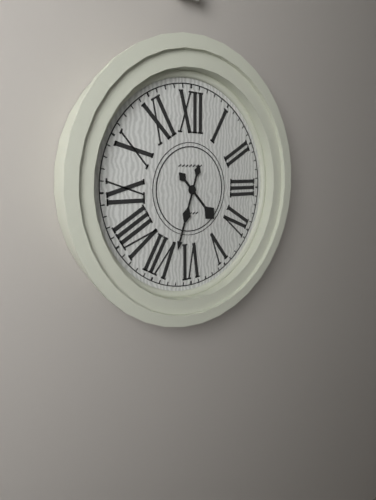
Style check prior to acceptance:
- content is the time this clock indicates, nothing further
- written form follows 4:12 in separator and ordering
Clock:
4:33
